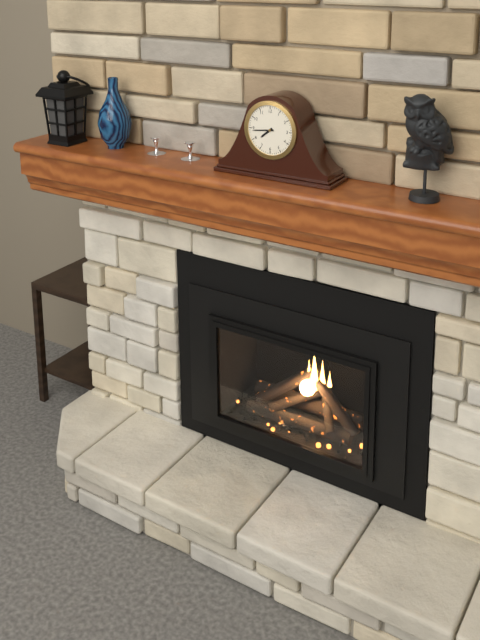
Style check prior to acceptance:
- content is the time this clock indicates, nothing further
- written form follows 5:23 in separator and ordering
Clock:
7:44
